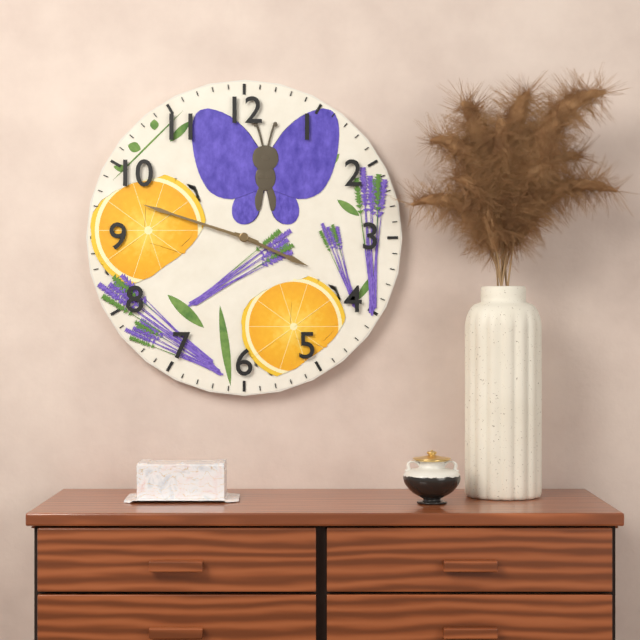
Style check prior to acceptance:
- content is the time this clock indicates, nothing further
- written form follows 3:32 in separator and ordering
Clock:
3:48
